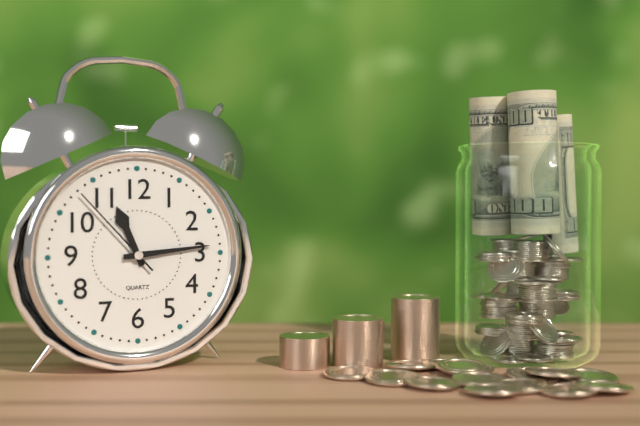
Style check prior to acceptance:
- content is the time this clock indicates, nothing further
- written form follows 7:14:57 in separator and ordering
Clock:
11:14:53
